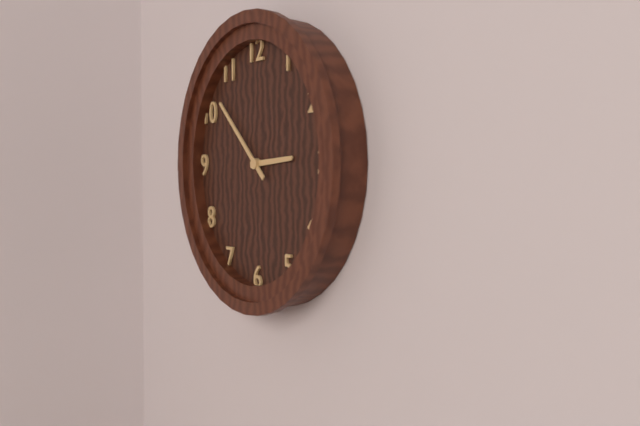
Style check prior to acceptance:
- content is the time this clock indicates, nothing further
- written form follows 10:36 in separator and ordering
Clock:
2:52
